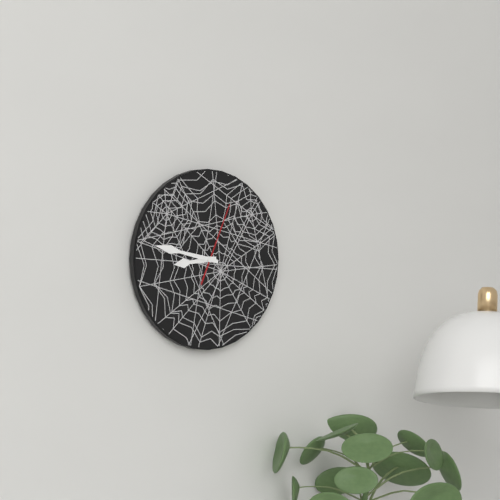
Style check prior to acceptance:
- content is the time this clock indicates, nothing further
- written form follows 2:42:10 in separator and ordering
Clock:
8:47:04
